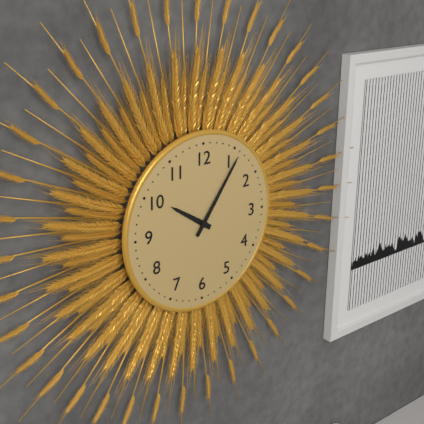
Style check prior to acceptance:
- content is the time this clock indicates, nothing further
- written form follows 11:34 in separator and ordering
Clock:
10:06
